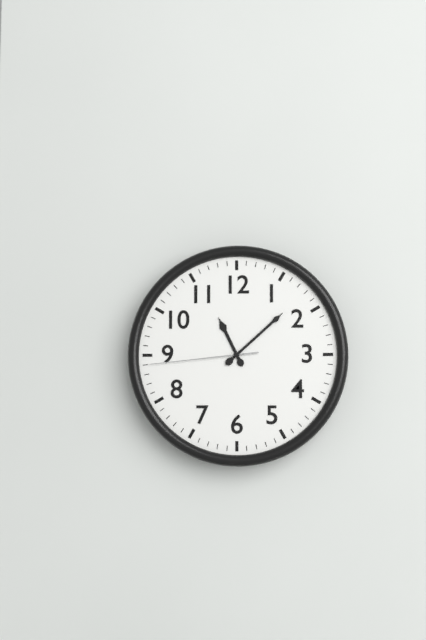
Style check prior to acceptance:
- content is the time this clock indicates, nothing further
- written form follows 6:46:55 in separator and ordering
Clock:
11:08:44
